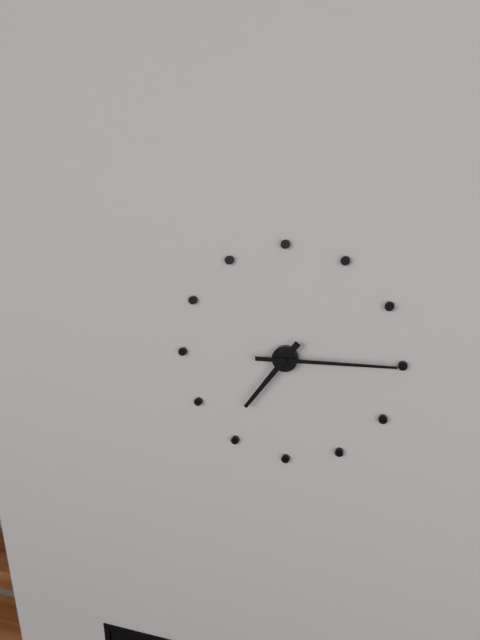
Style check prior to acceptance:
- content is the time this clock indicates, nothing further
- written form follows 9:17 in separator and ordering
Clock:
7:15
